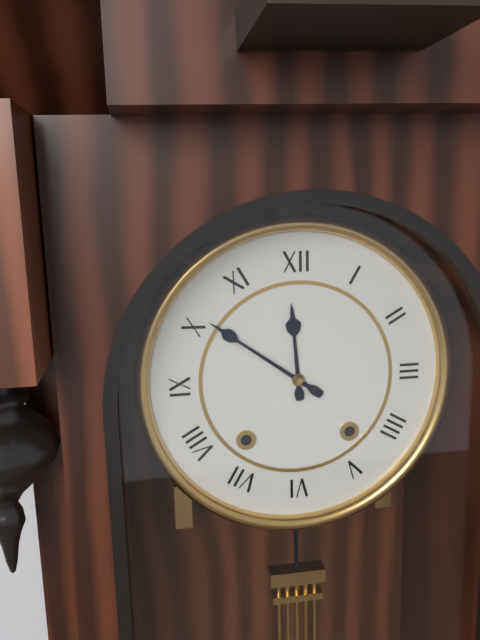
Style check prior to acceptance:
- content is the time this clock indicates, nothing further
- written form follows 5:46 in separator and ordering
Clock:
11:51
